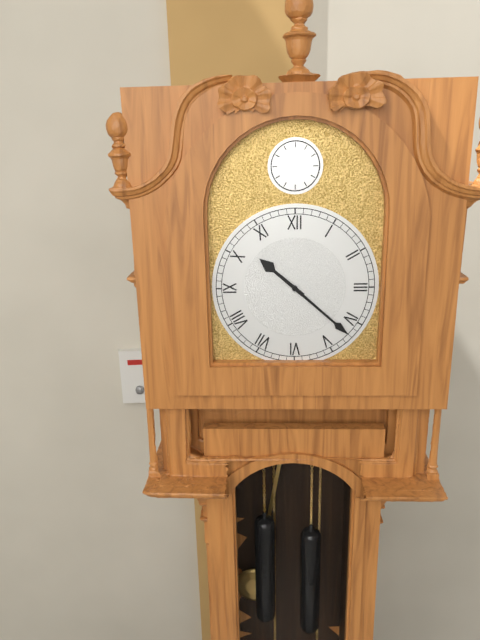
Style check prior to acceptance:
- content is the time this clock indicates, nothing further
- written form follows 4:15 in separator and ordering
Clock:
10:22
